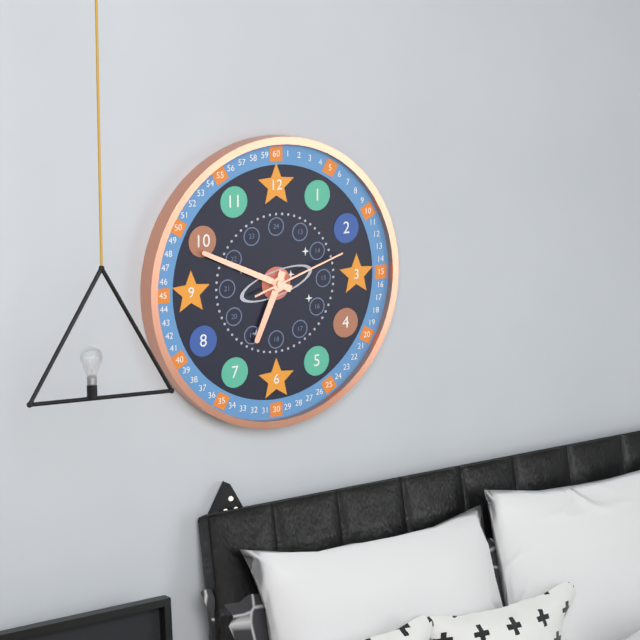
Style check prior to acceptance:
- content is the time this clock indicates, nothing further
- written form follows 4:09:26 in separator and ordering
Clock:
6:49:12
